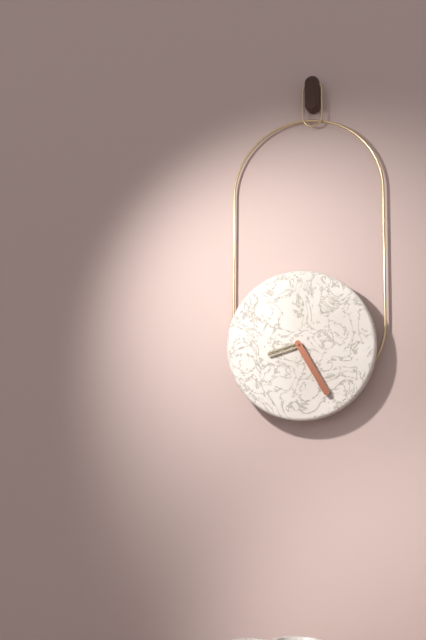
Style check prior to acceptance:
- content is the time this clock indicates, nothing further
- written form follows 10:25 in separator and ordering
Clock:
8:25
